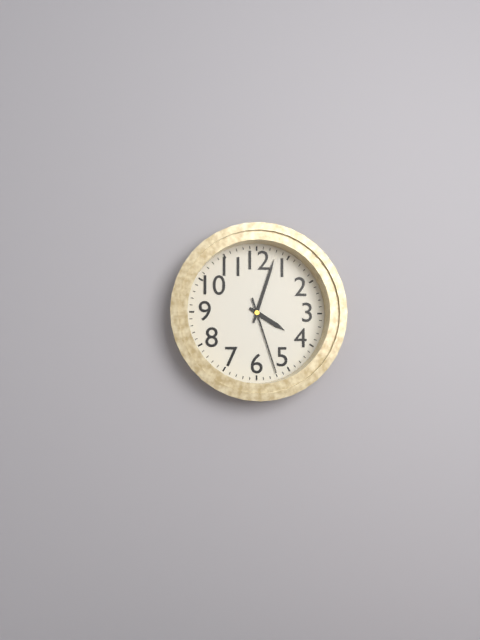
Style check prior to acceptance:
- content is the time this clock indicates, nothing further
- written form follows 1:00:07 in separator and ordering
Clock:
4:03:27
